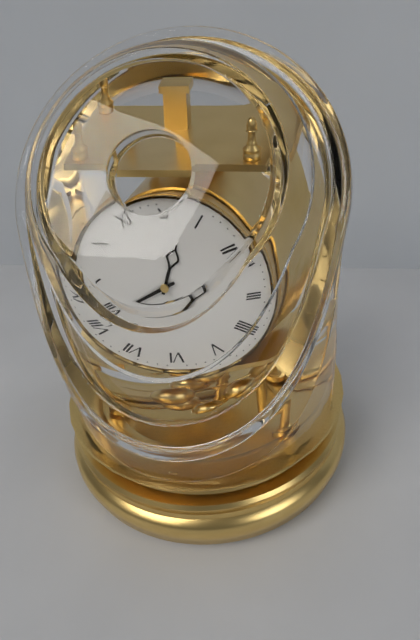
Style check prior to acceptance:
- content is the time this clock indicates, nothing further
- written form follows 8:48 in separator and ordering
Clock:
12:40
